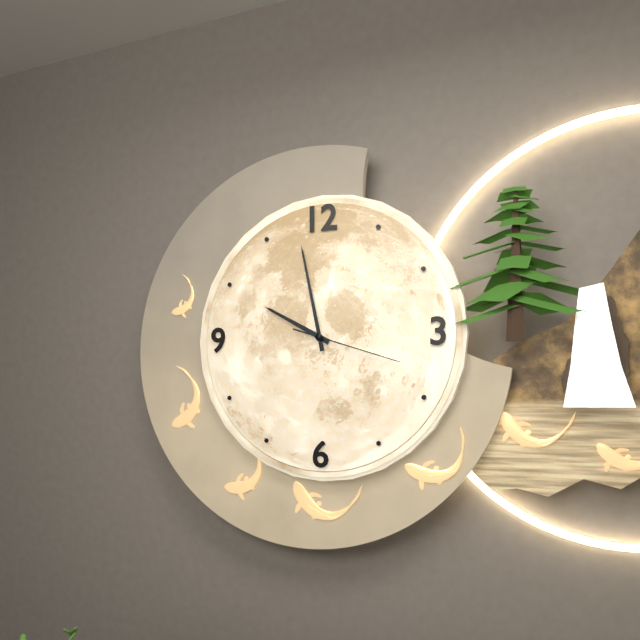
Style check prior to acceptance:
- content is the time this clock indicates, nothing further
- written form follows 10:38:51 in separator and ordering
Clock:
9:58:18
